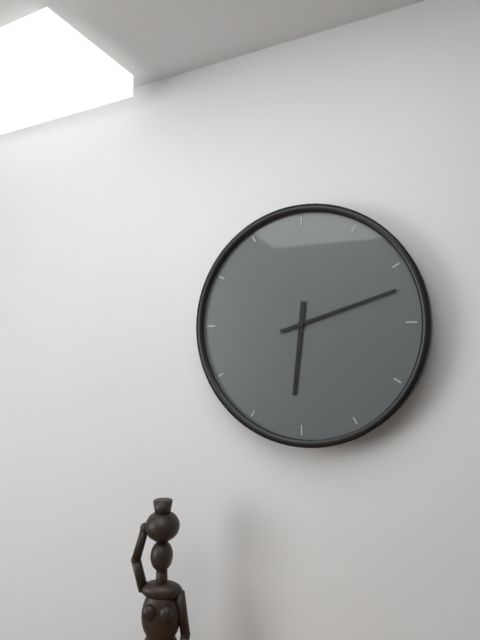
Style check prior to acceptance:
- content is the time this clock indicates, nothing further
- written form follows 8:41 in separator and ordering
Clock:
6:12
